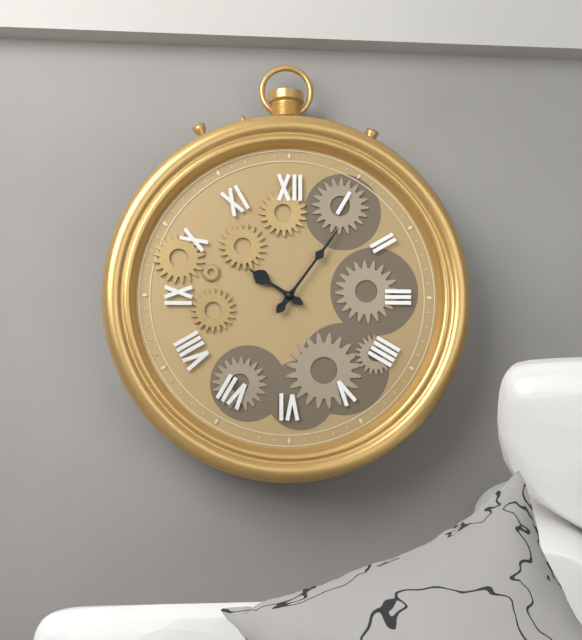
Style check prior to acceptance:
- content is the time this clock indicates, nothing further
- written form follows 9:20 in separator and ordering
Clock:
10:06
